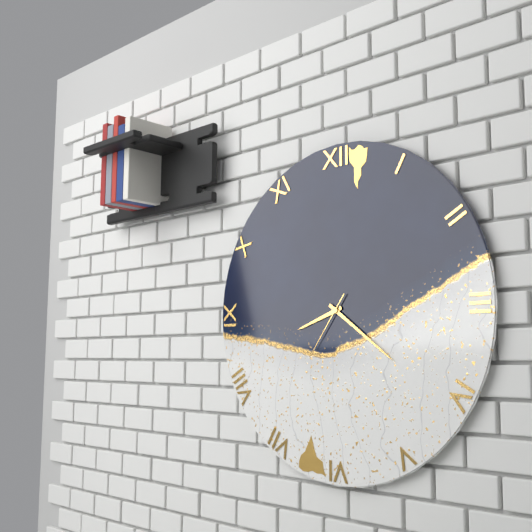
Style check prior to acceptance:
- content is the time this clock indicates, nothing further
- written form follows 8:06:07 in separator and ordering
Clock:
8:21:36
